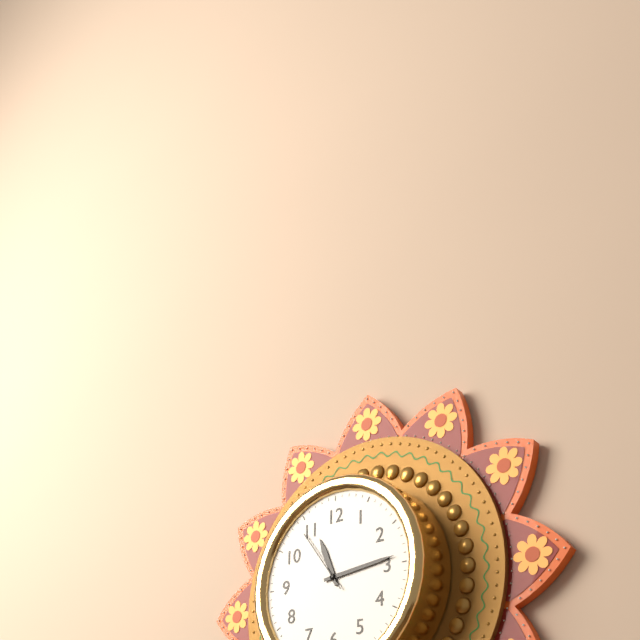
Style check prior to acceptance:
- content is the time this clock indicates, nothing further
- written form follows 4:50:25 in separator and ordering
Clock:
11:14:54
